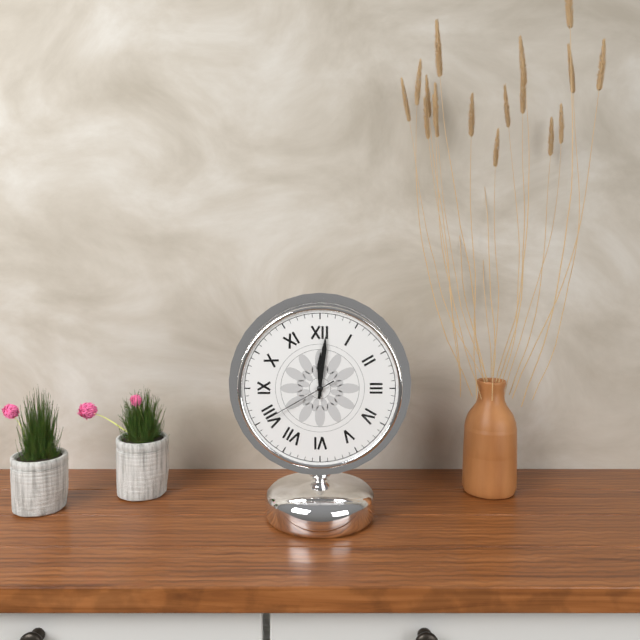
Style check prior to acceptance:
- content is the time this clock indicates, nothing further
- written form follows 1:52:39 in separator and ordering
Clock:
12:01:40
